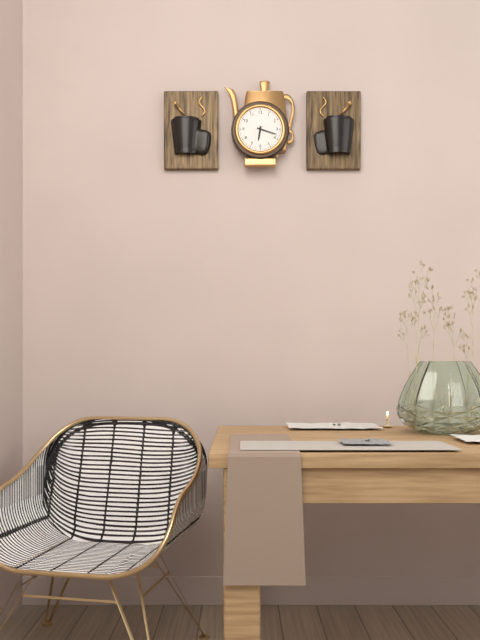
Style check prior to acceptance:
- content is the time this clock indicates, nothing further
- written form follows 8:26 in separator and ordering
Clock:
6:18
